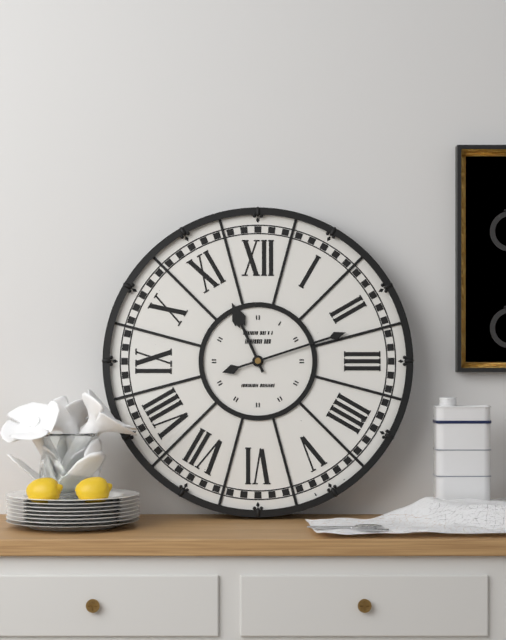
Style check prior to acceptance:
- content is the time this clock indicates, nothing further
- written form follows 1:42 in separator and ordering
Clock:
11:12
